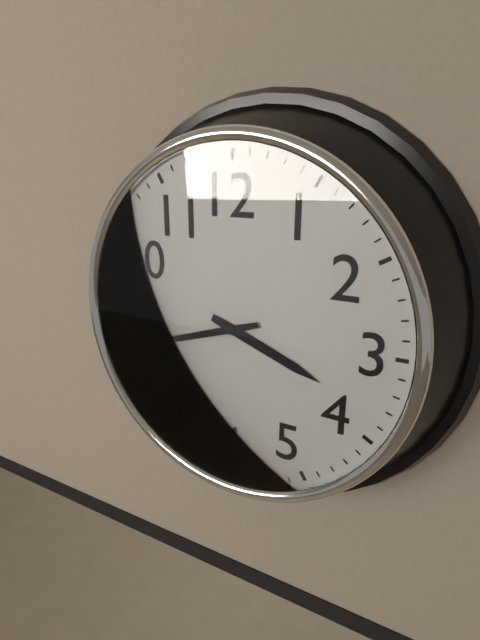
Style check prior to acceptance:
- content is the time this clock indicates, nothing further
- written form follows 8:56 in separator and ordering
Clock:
3:42
